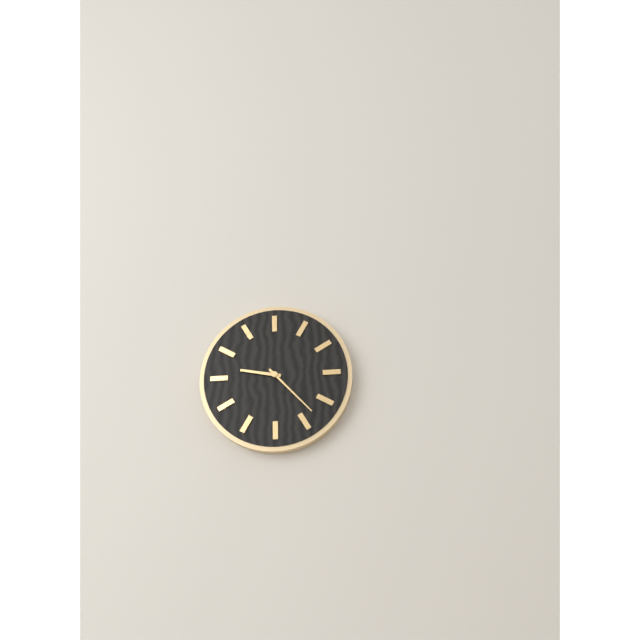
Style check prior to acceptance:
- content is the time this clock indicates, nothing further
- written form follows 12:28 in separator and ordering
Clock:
9:23
